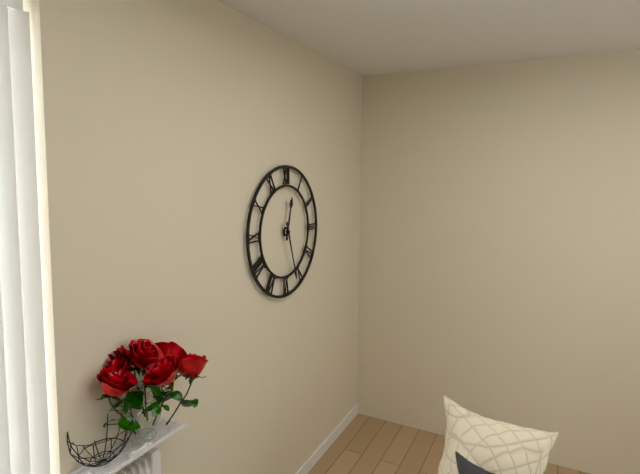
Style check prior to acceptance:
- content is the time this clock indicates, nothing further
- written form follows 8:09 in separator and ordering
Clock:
12:27
